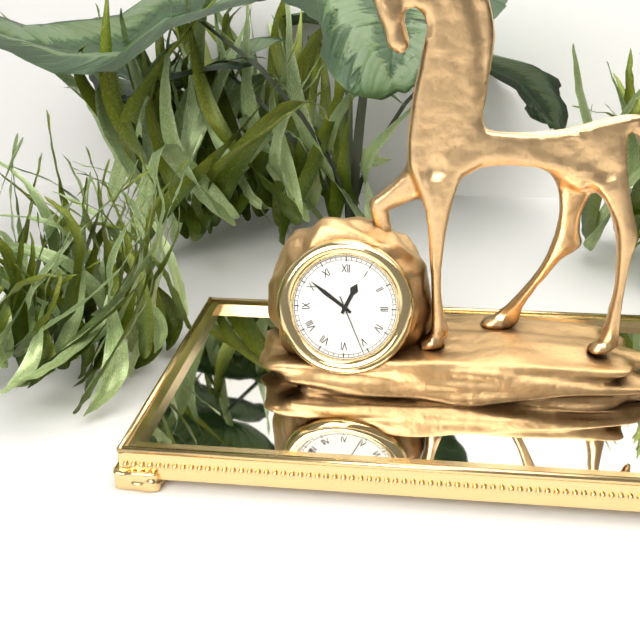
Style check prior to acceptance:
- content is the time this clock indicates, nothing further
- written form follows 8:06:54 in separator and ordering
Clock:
12:51:26
